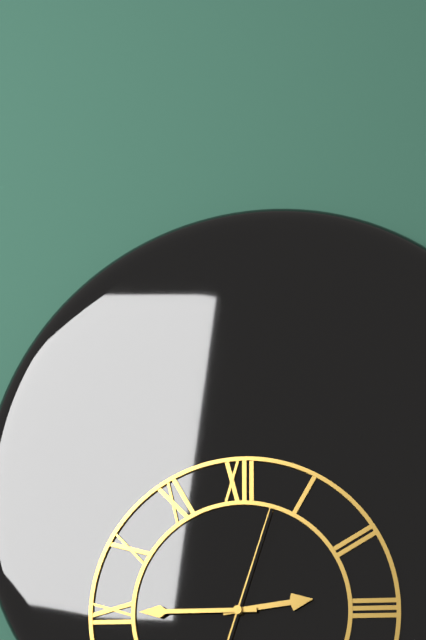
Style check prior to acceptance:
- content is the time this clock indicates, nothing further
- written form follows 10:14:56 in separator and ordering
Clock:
2:45:03
